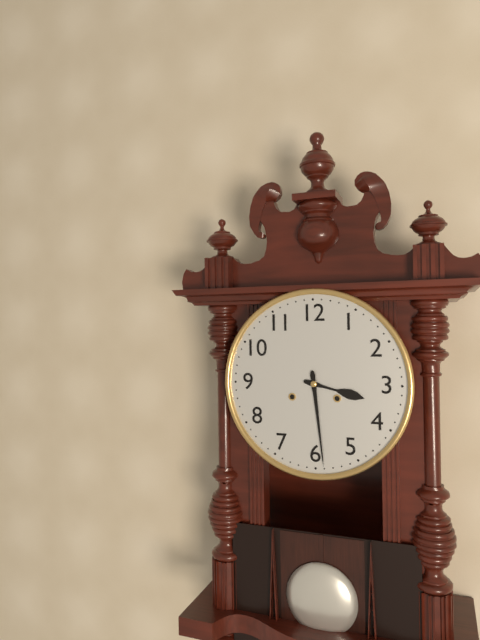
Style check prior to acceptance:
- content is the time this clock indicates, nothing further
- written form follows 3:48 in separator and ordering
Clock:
3:29
